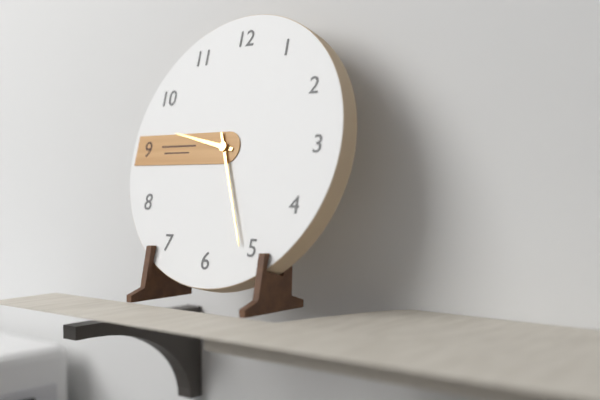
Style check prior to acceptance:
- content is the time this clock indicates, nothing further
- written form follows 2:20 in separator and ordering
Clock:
9:26
